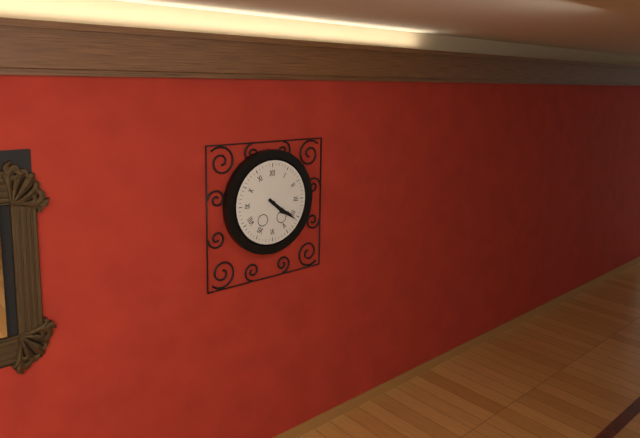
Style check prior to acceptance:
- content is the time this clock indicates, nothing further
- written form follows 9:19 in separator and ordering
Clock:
4:21
